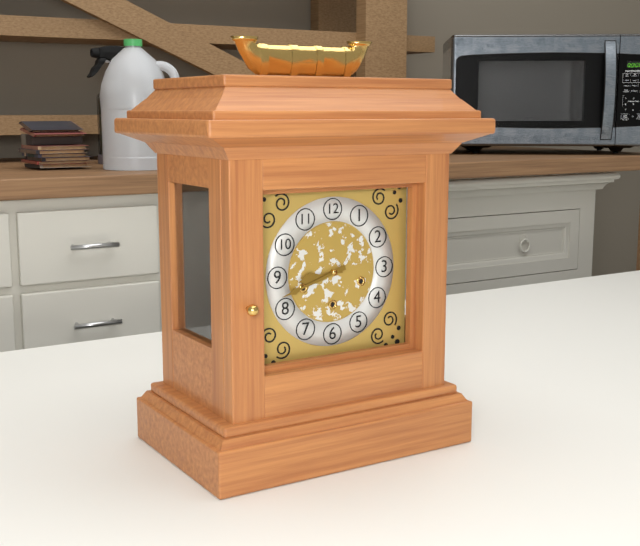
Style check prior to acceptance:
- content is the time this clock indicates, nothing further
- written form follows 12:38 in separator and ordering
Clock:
8:42
